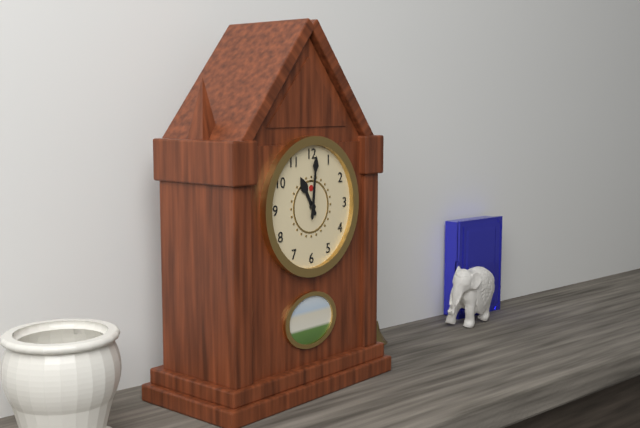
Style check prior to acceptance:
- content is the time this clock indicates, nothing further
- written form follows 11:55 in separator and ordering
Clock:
11:01
